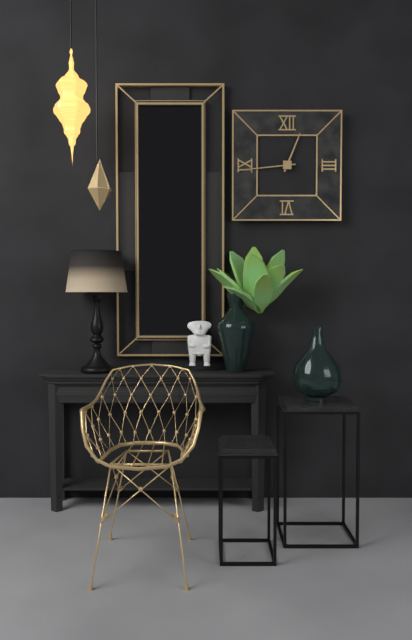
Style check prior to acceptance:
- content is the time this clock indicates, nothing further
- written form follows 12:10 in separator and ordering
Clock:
12:44
